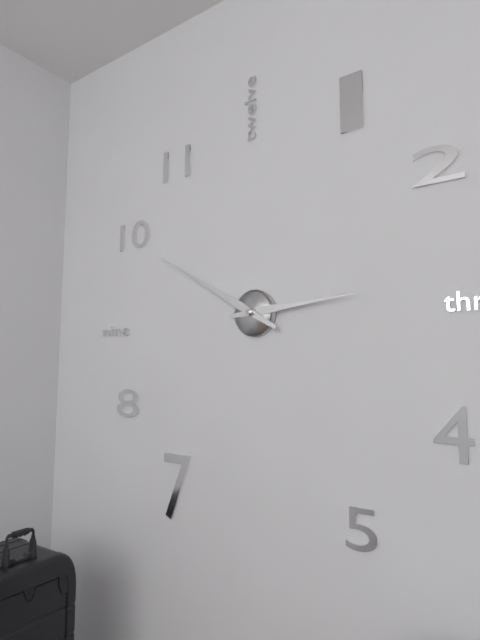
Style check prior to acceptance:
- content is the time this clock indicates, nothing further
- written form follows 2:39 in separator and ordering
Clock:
2:50
